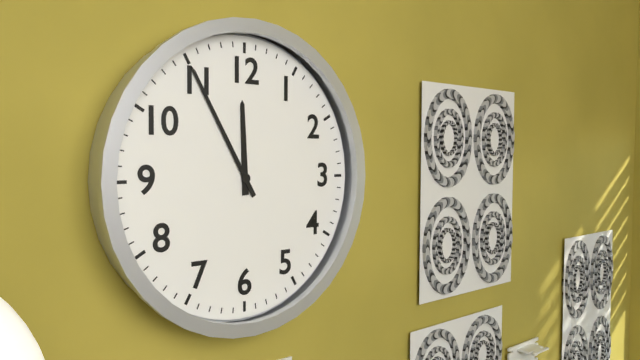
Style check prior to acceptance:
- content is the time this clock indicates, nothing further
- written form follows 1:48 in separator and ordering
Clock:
11:55
